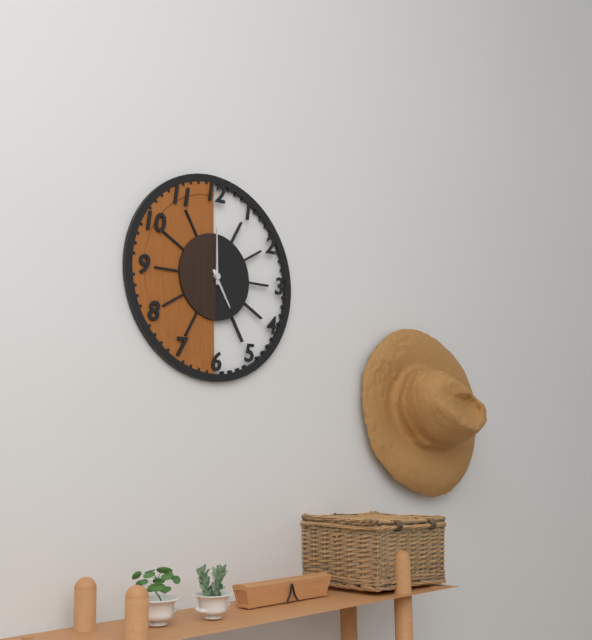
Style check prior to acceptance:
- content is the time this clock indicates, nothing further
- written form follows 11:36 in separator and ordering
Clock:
5:00
